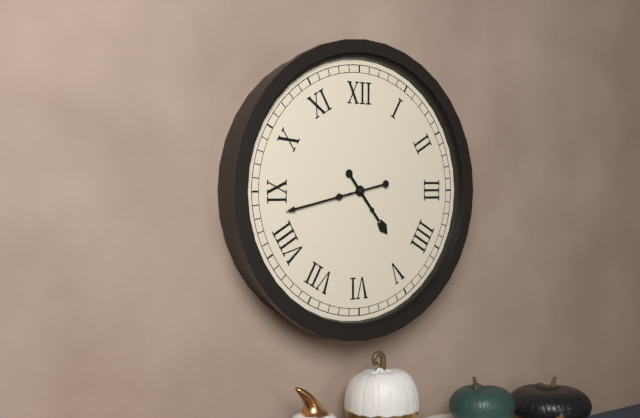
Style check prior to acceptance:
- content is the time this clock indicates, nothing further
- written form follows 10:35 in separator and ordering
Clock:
4:43
